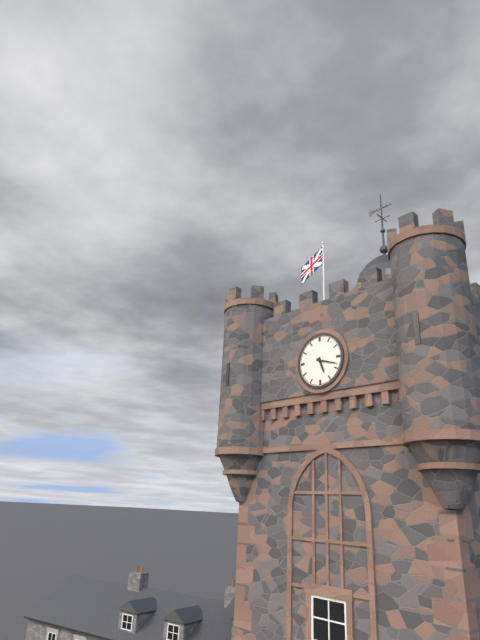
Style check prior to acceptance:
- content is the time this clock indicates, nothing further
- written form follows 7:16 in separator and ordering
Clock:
5:18
